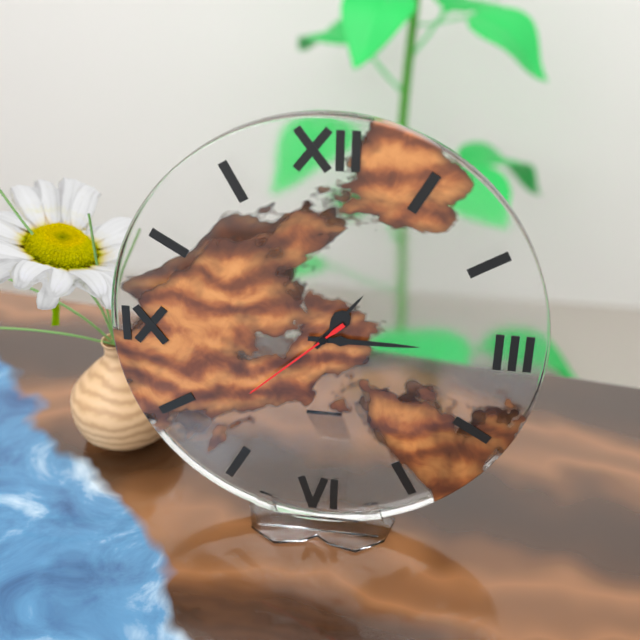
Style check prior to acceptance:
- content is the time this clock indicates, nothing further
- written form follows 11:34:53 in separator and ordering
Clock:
1:15:38
